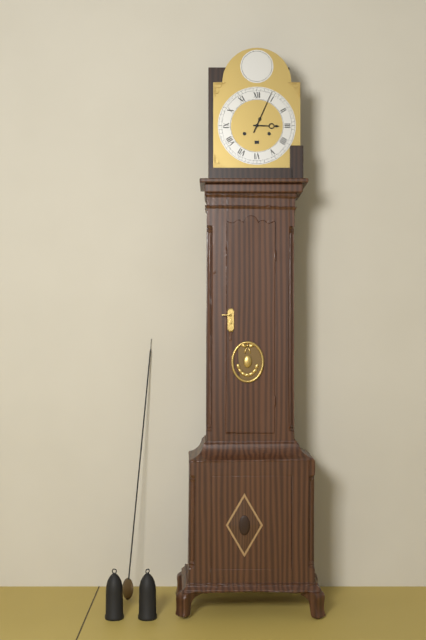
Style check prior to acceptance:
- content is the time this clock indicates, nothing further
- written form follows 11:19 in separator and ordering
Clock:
3:04
